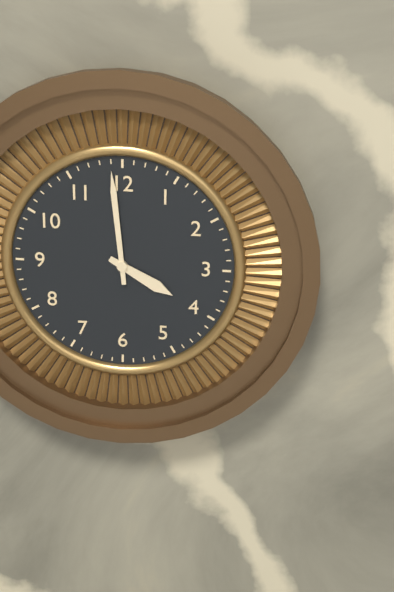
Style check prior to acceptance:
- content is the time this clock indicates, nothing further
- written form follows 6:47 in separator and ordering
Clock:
3:59
